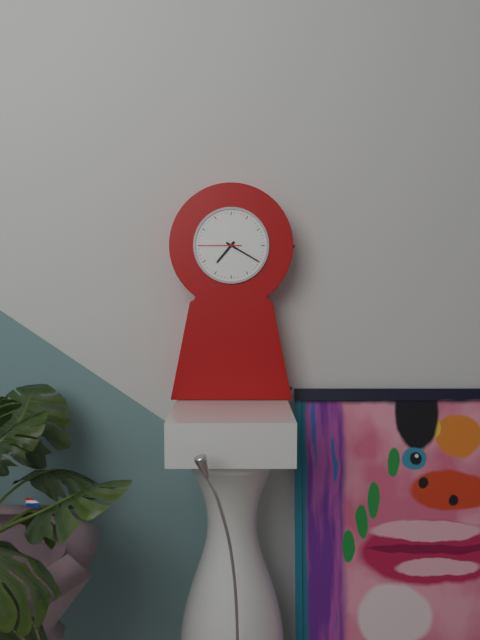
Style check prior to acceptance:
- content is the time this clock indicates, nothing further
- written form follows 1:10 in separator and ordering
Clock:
7:20
